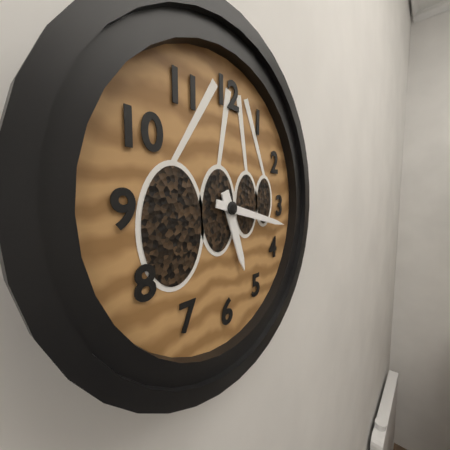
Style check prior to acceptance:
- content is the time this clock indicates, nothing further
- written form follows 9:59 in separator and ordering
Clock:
5:17
